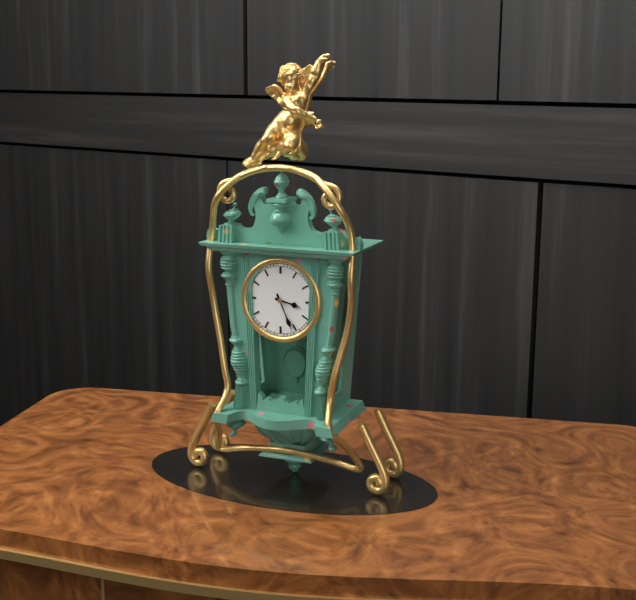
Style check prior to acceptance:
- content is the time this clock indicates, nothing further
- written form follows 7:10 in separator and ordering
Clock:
3:26
